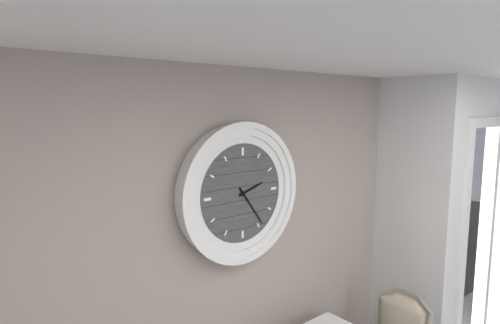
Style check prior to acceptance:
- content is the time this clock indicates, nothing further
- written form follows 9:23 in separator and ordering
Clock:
2:24
